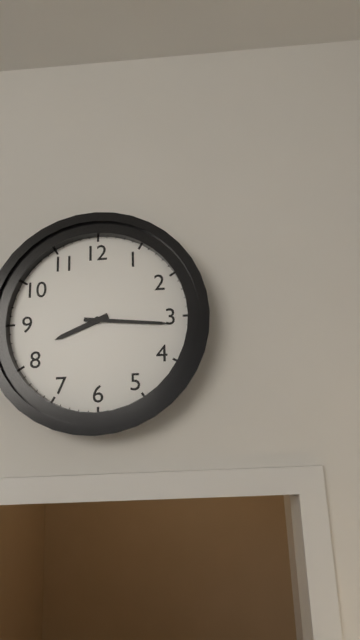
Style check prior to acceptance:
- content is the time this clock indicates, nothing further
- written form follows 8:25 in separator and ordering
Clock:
8:16
